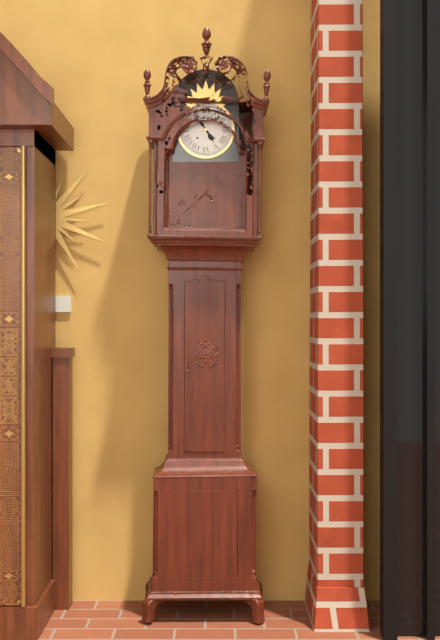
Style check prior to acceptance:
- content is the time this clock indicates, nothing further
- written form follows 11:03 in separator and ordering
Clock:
4:54
